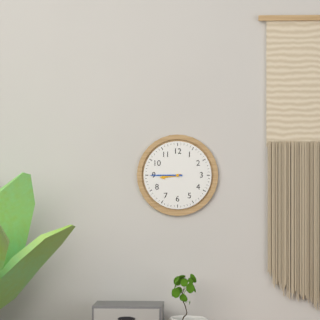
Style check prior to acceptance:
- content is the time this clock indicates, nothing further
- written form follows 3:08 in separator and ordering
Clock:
8:45
